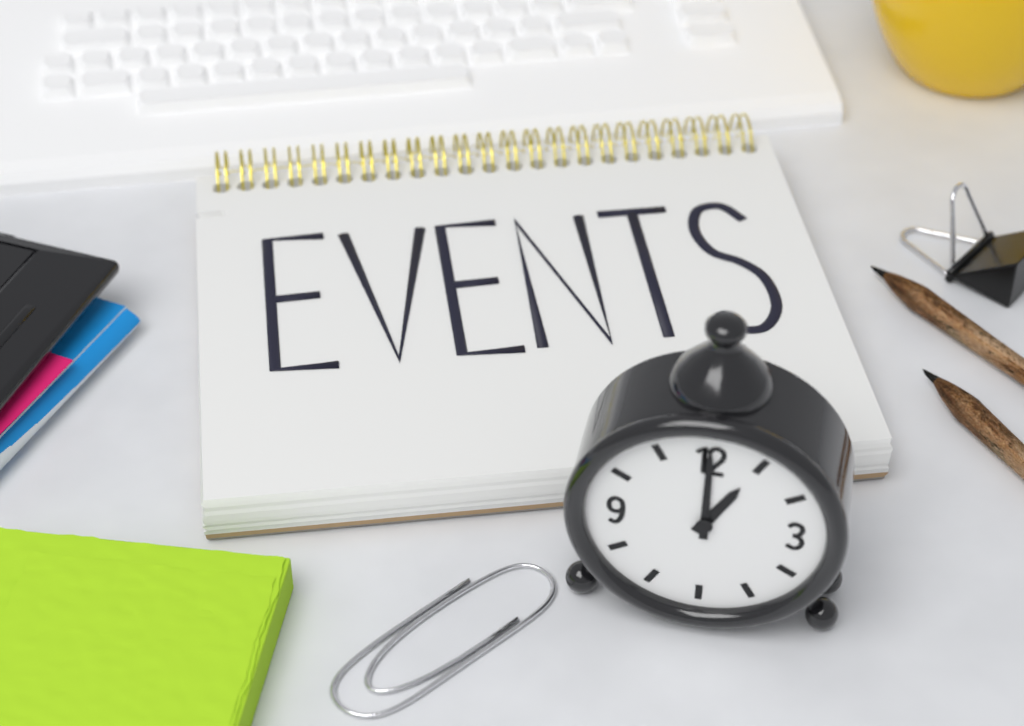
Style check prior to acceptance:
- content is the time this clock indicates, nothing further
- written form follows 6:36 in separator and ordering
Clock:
1:00
